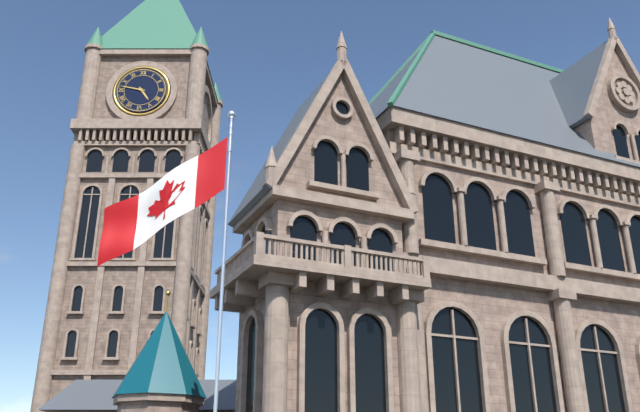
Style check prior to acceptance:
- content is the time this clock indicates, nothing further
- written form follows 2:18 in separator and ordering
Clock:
4:47
